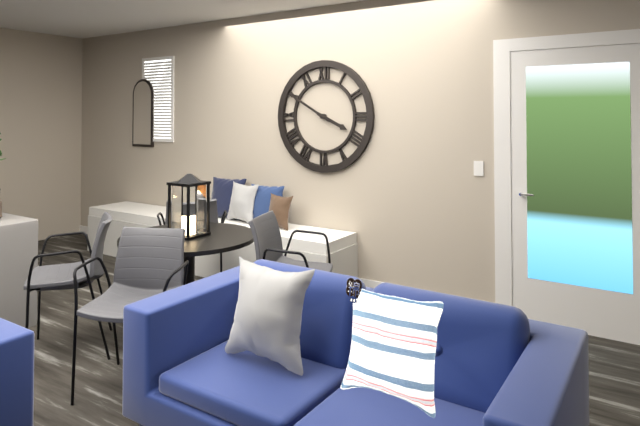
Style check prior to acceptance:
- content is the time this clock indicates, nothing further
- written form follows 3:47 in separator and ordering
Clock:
3:50
